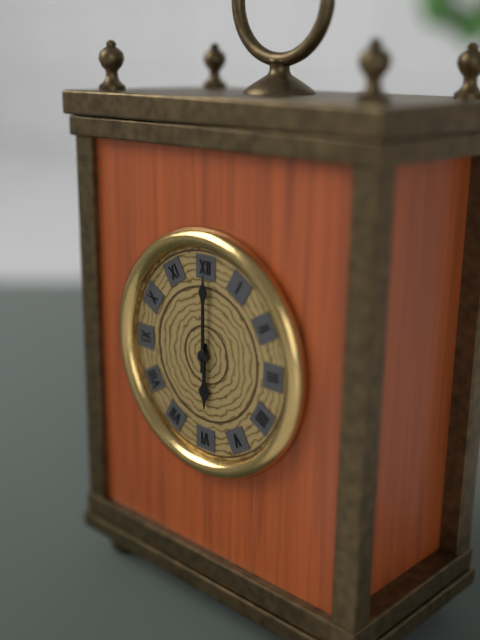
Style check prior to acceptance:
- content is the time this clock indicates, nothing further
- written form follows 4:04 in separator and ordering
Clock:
6:00
